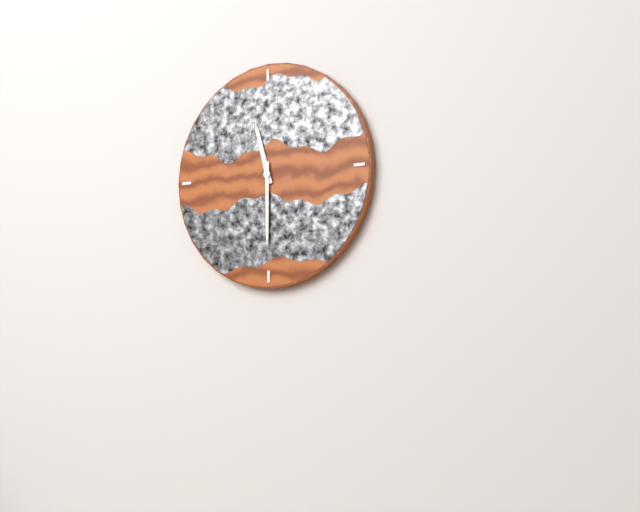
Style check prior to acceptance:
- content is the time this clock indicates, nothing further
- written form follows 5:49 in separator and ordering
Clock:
11:30
